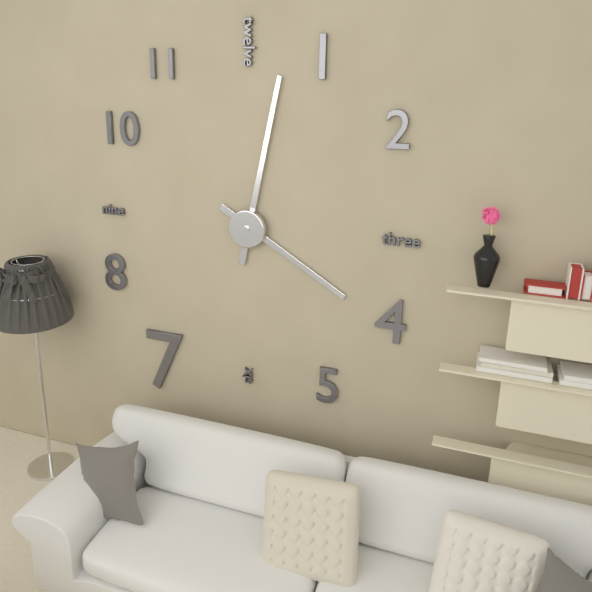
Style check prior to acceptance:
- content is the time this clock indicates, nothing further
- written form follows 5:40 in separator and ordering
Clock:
4:02
